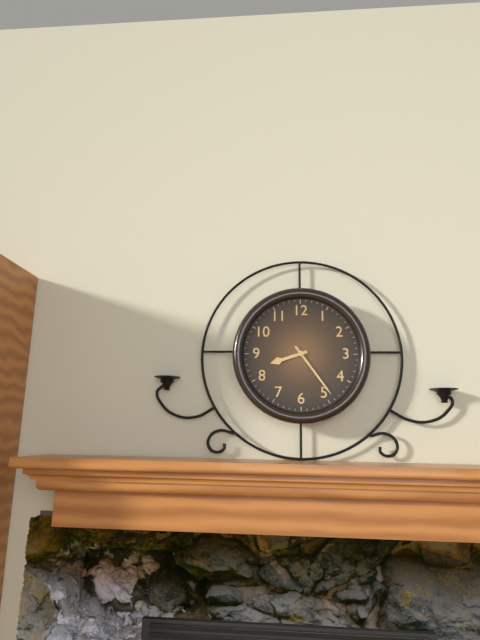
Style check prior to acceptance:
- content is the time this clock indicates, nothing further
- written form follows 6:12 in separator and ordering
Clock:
8:24
